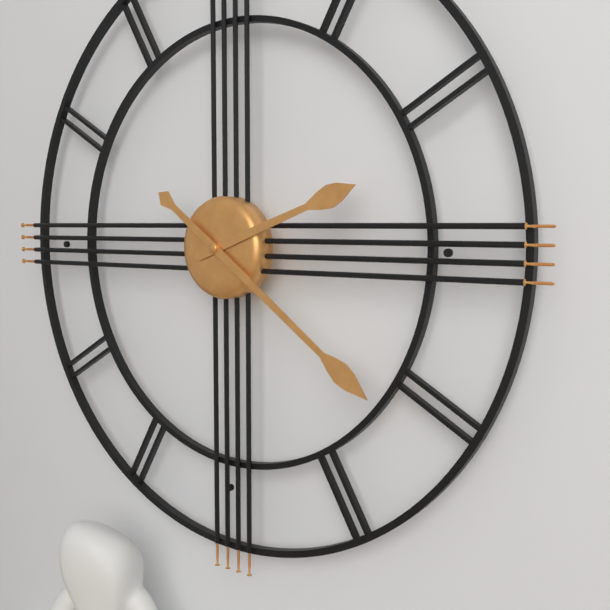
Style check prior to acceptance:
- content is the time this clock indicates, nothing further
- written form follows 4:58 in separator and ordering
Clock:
2:21
